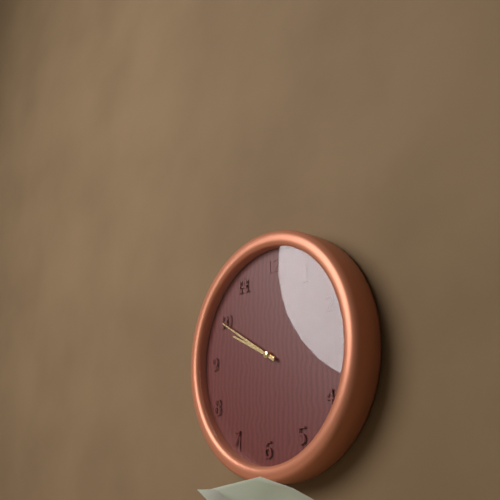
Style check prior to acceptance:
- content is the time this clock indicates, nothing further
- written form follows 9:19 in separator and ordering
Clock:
9:50
